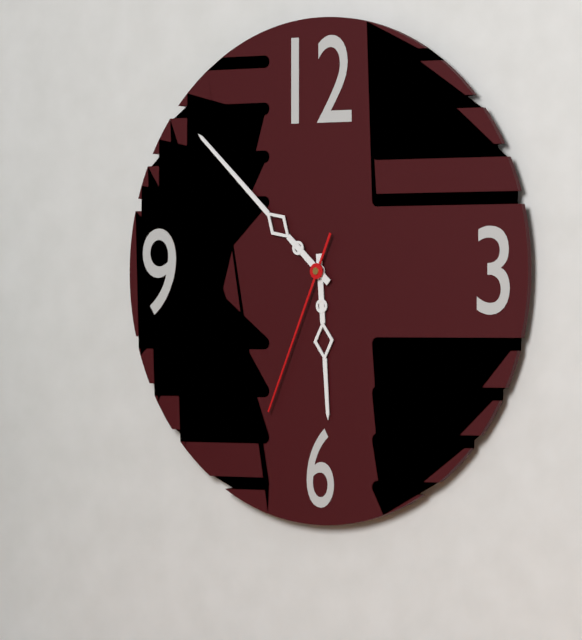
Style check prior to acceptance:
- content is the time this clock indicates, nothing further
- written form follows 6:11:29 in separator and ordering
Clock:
5:52:34
